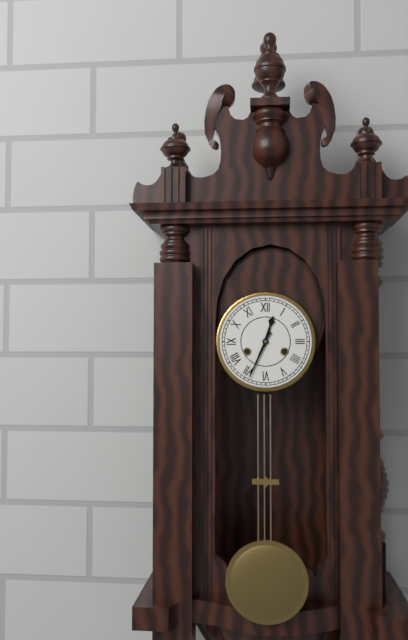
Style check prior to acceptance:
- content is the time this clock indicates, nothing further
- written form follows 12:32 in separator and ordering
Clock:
12:34
